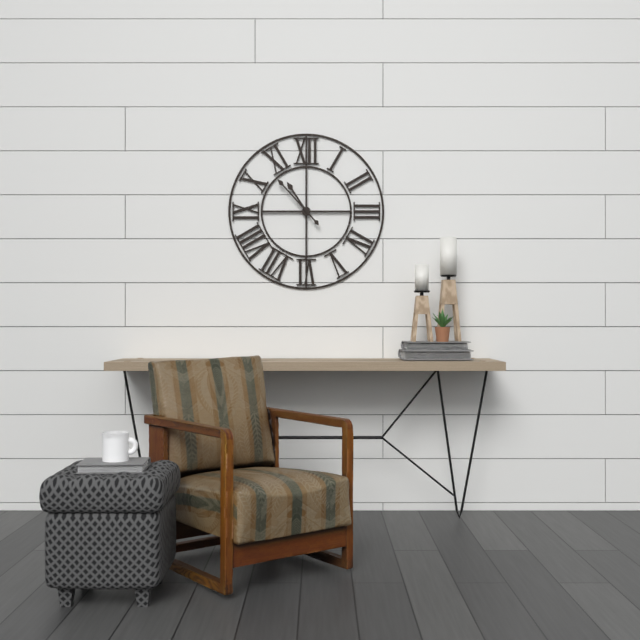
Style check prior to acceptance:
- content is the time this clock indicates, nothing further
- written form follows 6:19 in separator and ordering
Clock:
10:53
